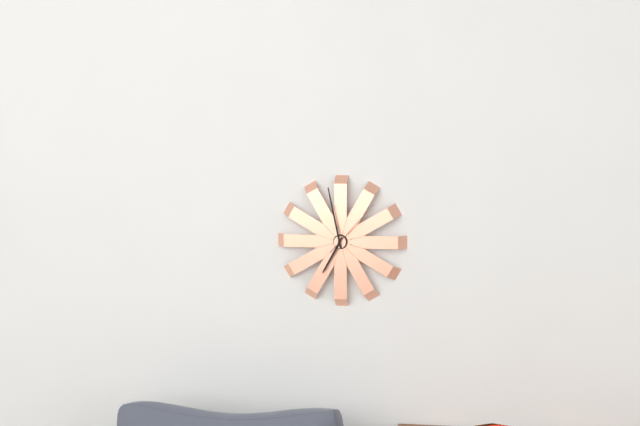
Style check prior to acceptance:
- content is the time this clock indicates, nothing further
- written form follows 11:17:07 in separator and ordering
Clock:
6:58:07
